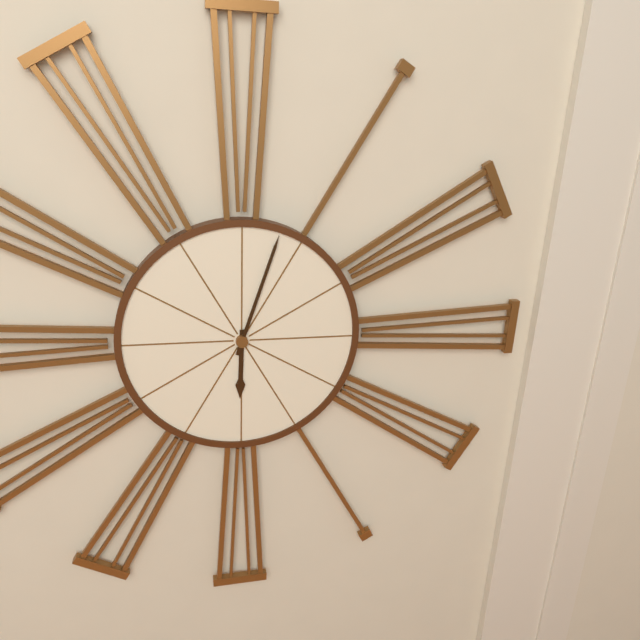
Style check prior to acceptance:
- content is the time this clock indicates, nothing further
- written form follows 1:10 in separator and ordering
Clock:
6:03
